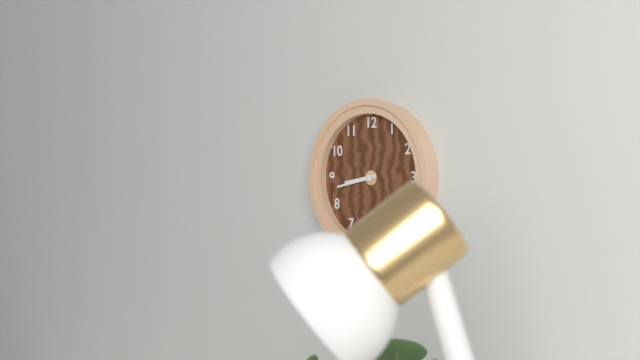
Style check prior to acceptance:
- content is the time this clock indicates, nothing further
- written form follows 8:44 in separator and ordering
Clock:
8:43
